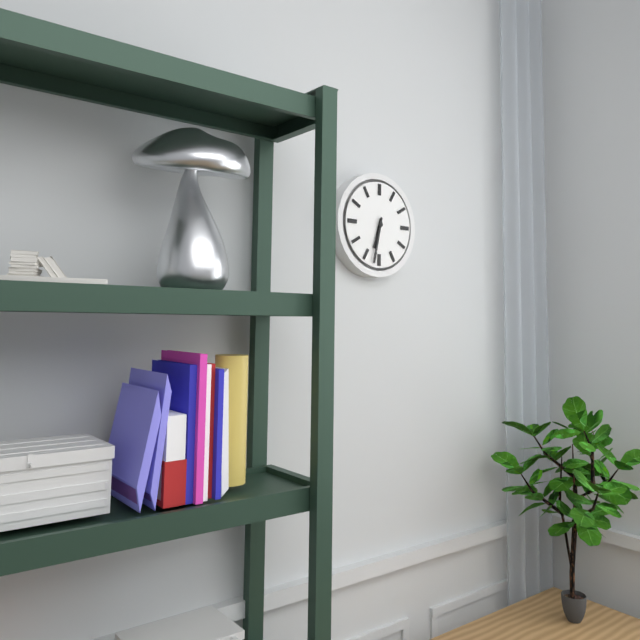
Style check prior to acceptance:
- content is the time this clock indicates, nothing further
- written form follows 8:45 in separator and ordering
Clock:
6:32
